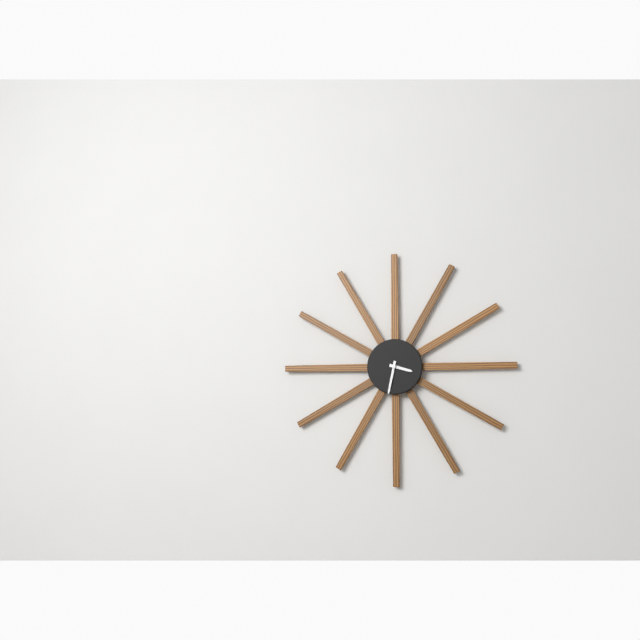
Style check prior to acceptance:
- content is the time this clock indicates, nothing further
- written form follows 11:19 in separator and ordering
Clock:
3:32
